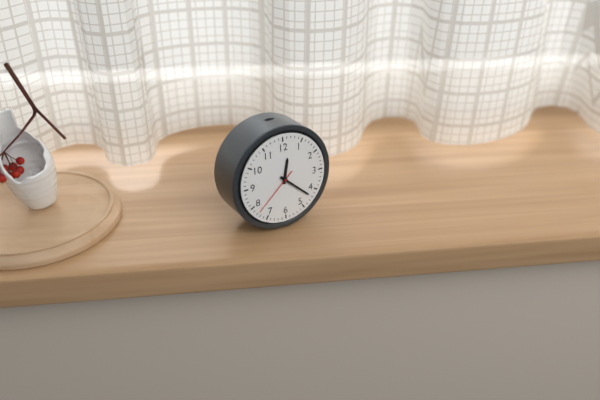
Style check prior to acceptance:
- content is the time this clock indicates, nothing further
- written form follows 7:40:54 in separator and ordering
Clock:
12:22:38
